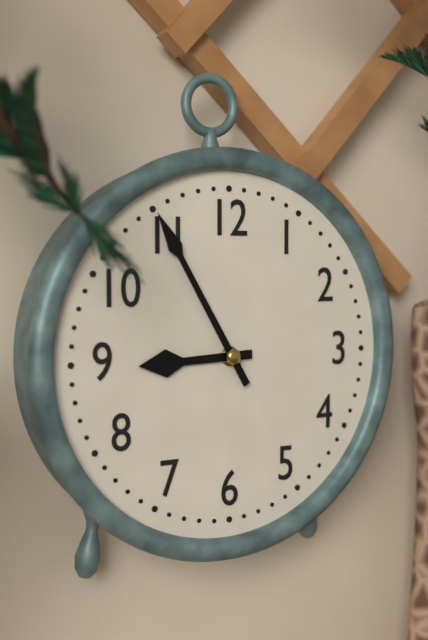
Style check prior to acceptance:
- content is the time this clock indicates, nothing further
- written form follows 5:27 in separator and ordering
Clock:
8:55
